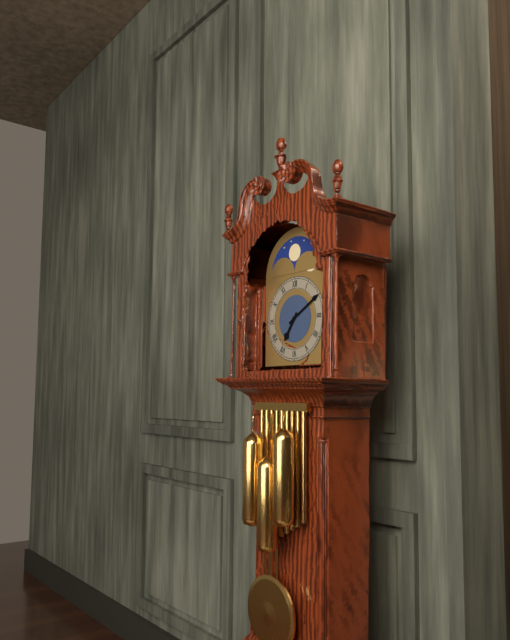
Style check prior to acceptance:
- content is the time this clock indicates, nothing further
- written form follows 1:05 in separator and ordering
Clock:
7:10
